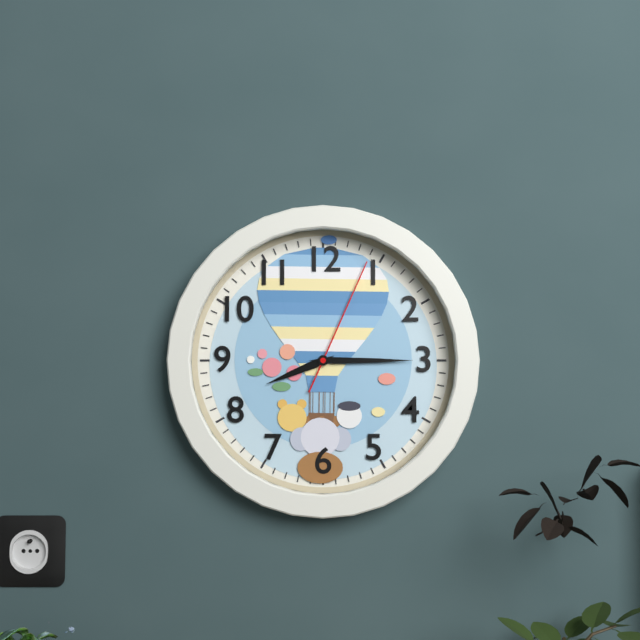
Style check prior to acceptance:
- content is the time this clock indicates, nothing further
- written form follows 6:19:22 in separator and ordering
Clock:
8:15:04
